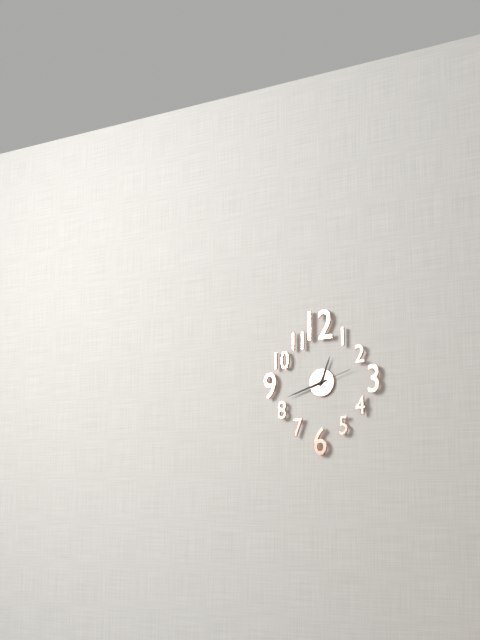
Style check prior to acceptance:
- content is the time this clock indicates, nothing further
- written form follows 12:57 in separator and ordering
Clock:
12:42
